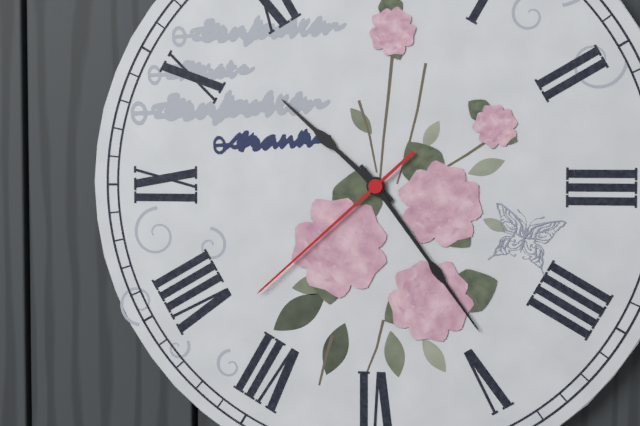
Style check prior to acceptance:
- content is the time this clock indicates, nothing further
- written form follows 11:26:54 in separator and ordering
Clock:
10:24:38
